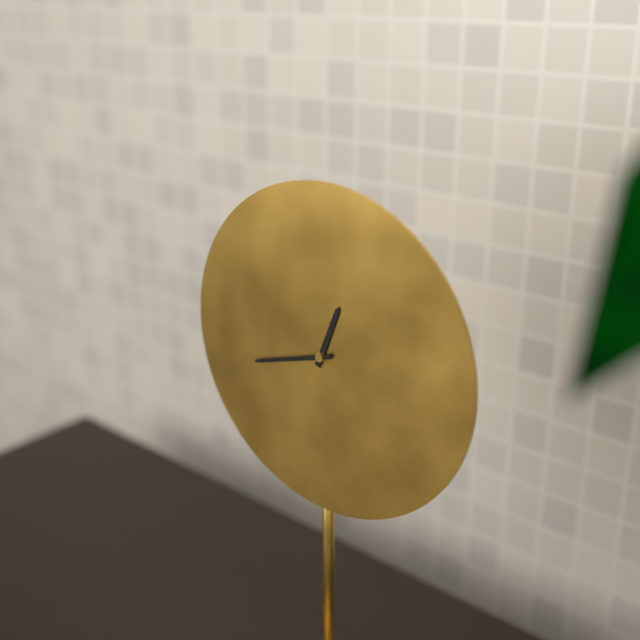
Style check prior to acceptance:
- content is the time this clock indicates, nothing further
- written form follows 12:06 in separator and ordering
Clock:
12:42
